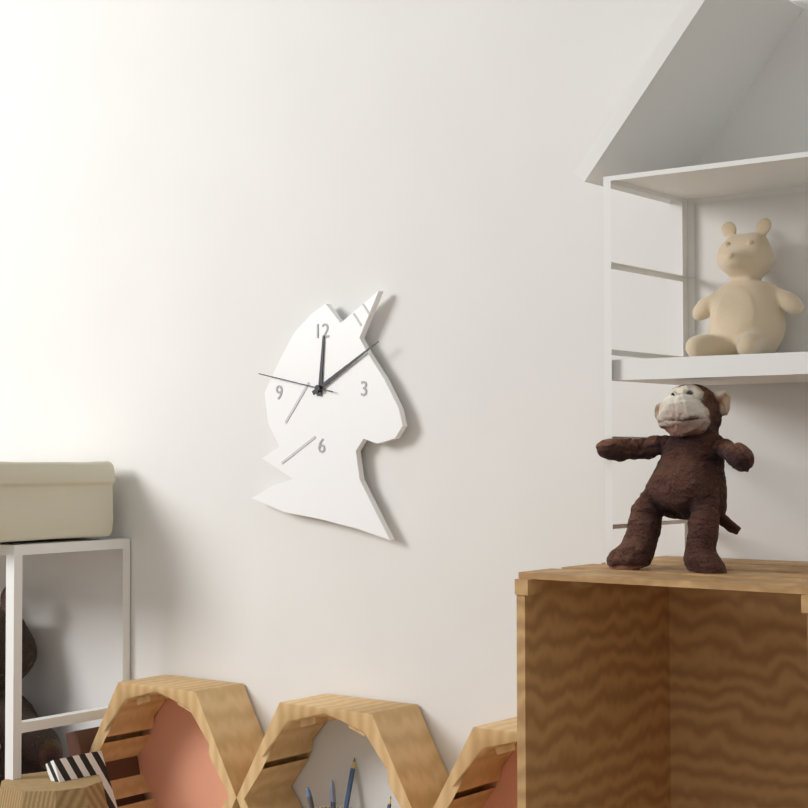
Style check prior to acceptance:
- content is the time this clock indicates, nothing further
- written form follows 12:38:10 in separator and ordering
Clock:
12:10:47
